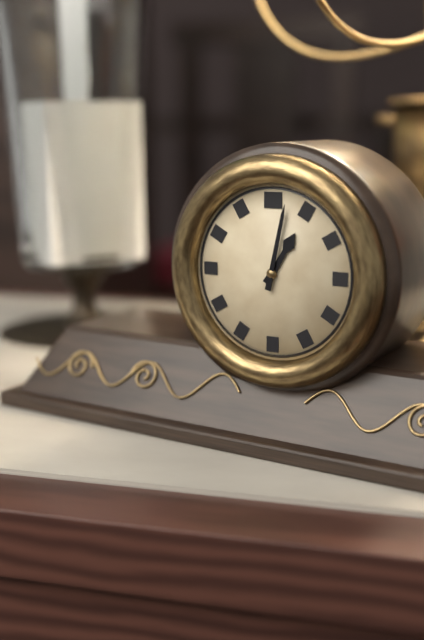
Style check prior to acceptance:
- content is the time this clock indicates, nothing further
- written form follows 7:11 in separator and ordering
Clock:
1:02
